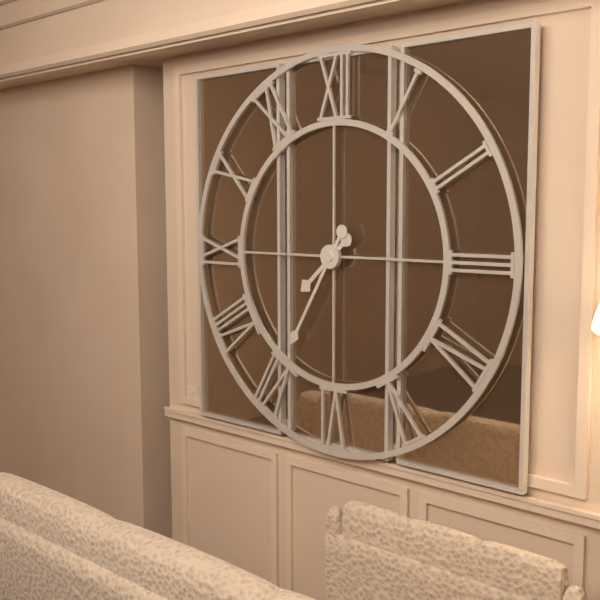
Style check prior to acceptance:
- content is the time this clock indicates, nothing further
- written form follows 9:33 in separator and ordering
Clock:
7:35
